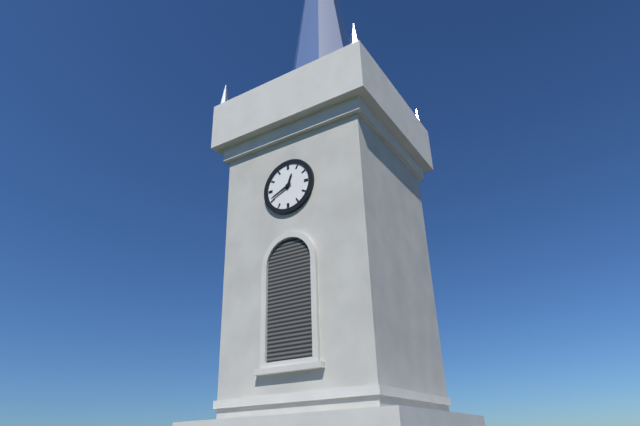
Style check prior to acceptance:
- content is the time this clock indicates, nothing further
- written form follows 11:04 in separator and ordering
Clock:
12:41
